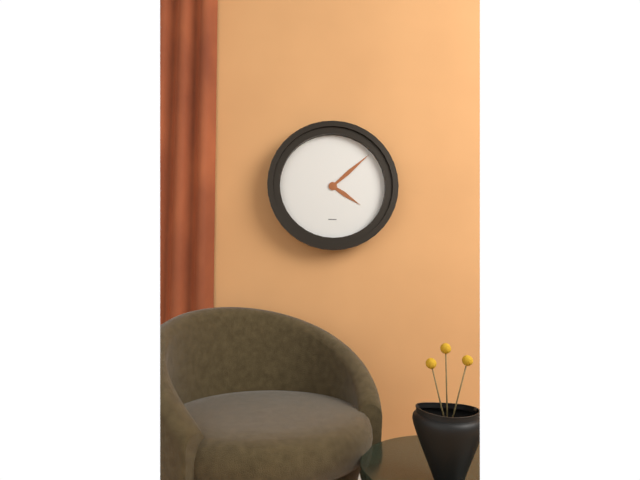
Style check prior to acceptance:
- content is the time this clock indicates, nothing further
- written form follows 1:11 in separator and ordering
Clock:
4:08
